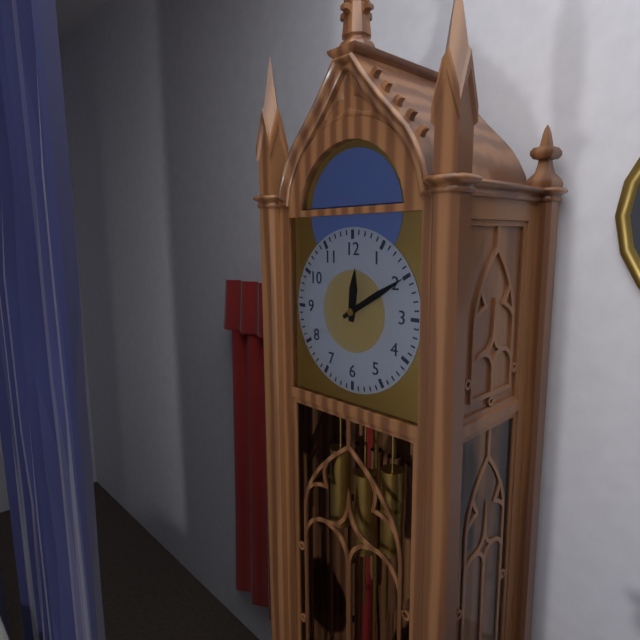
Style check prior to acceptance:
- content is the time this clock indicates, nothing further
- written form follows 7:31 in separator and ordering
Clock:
12:10
